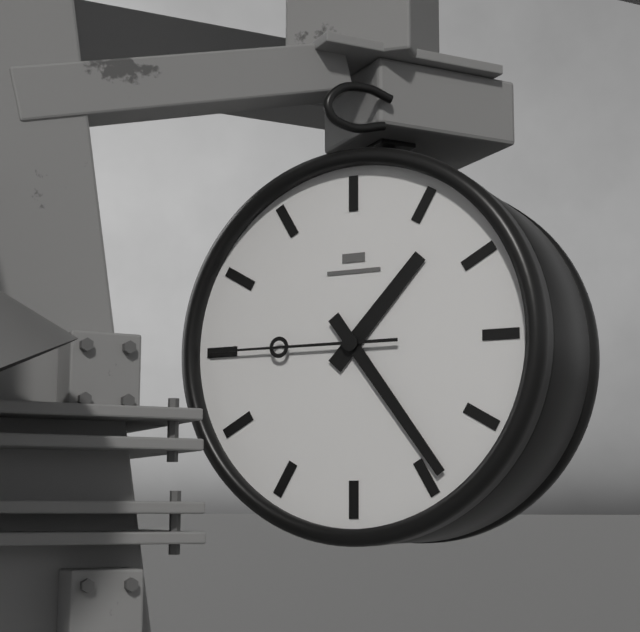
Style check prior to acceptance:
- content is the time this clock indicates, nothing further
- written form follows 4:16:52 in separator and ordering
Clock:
1:24:45
